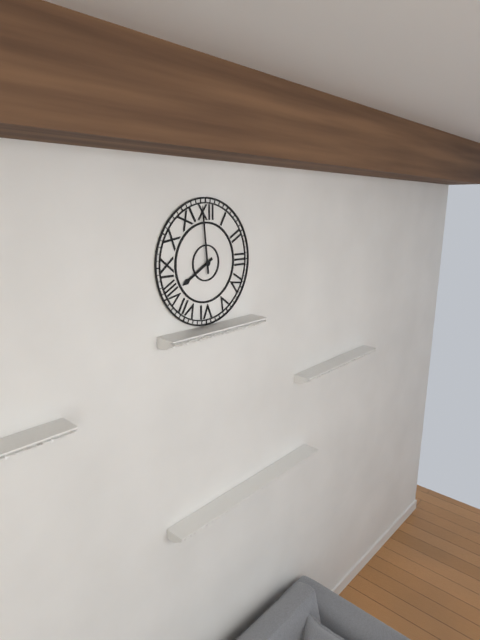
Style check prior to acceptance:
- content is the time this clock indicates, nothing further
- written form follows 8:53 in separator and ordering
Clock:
7:59
